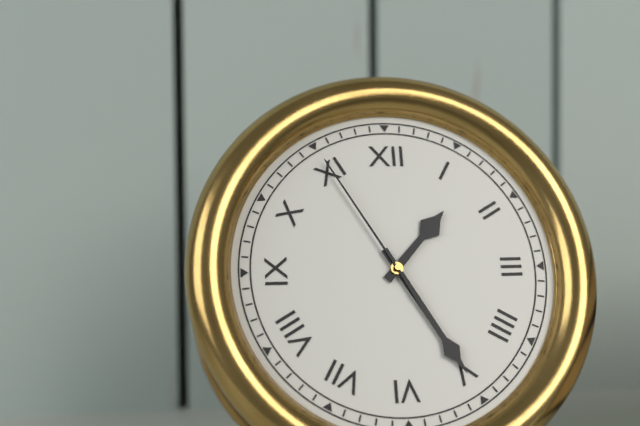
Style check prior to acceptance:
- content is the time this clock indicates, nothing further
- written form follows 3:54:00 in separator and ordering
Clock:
1:25:55
